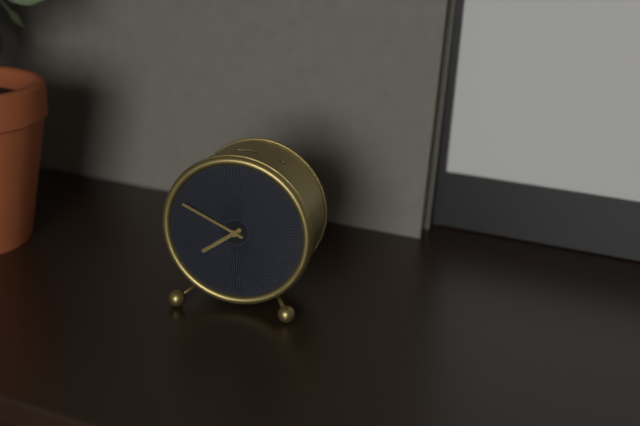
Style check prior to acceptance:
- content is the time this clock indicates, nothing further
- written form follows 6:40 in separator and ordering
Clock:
7:49
